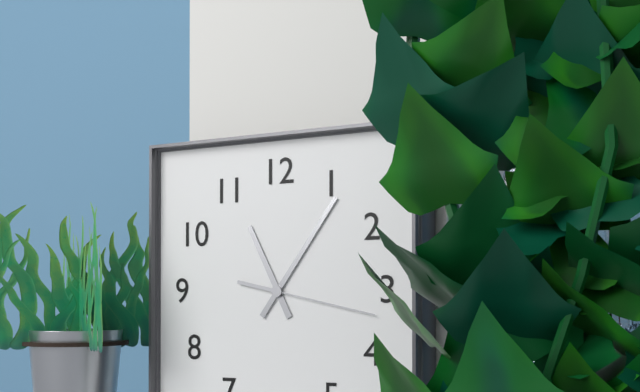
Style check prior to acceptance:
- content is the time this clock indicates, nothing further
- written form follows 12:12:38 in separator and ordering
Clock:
11:06:17
